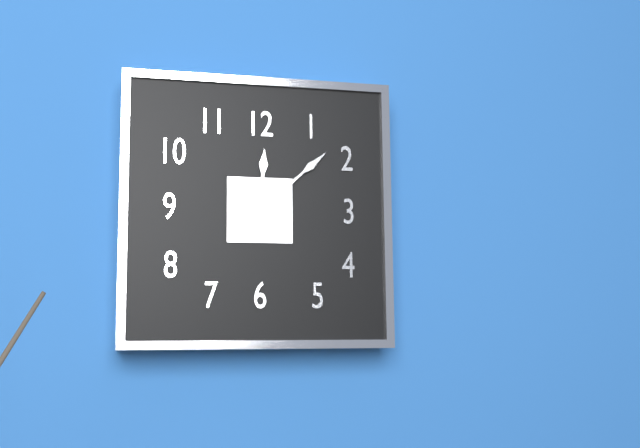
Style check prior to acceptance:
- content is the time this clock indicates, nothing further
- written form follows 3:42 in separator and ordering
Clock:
12:08
